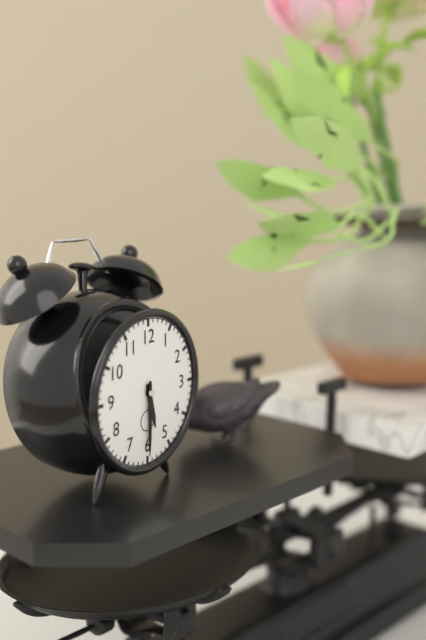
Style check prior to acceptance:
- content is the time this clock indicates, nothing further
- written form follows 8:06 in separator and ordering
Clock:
5:30
